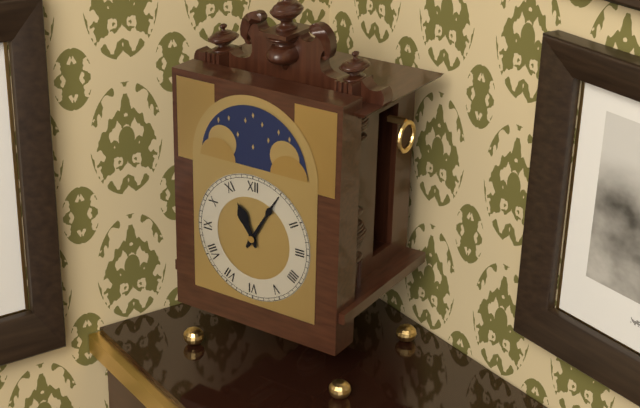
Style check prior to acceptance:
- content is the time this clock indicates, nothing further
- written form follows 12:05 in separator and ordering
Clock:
11:05
